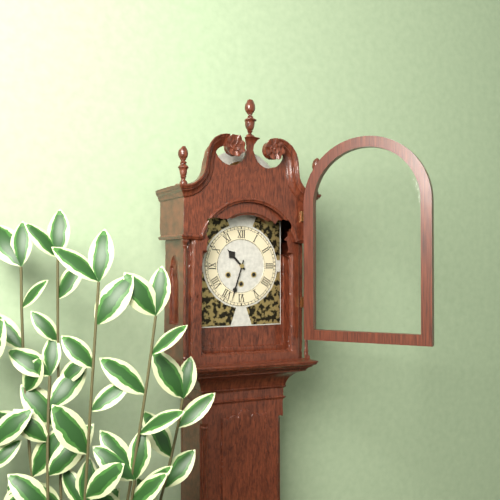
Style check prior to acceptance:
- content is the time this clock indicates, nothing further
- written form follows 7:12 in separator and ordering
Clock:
10:33
